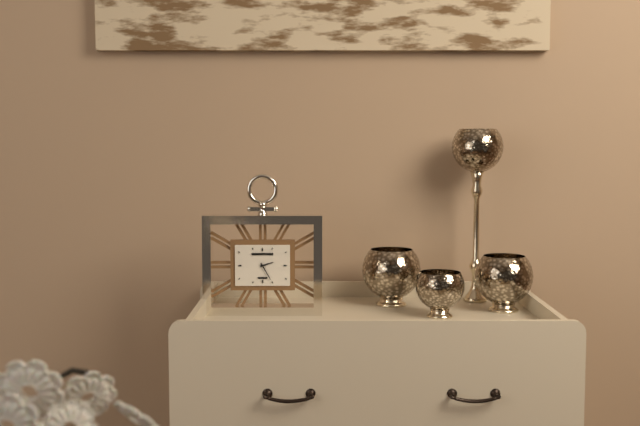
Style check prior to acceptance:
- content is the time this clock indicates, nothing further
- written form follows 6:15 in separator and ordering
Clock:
2:25
